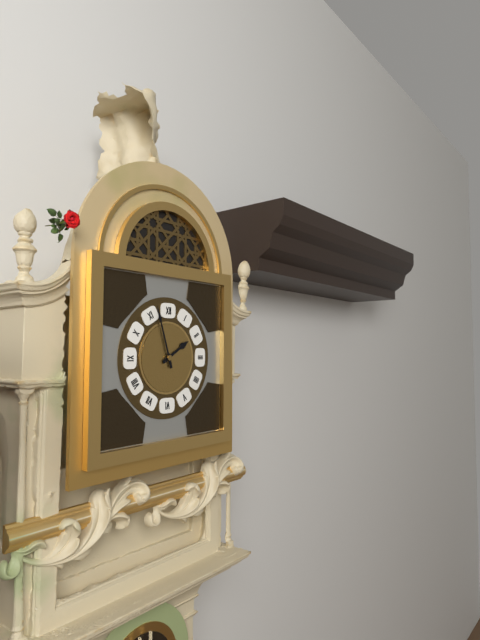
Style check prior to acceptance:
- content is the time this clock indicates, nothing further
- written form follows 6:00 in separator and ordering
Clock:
1:57
